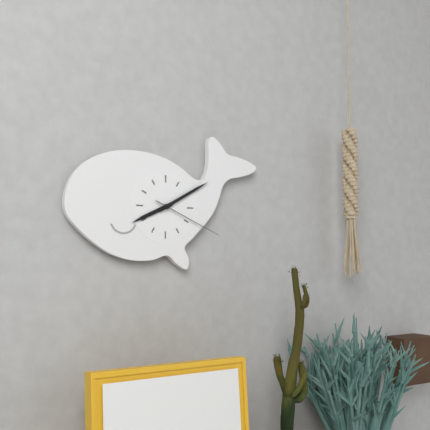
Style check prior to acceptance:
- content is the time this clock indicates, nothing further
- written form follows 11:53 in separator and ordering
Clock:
8:10
